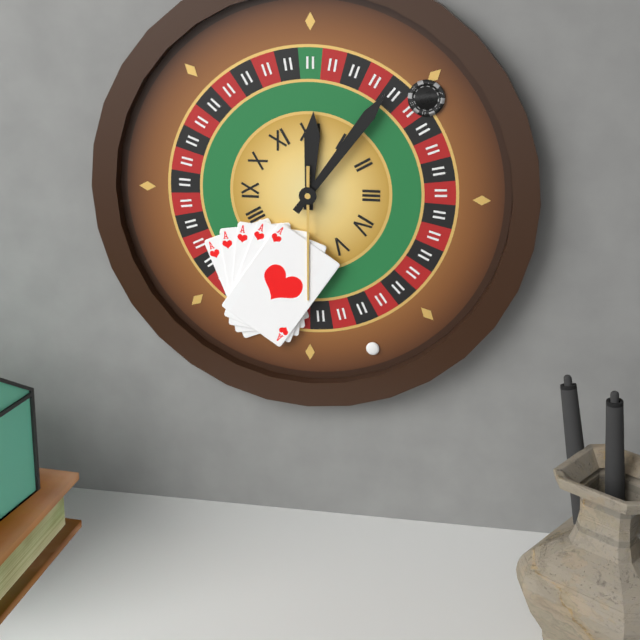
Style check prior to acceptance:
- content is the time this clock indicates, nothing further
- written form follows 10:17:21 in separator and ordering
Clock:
12:06:30
